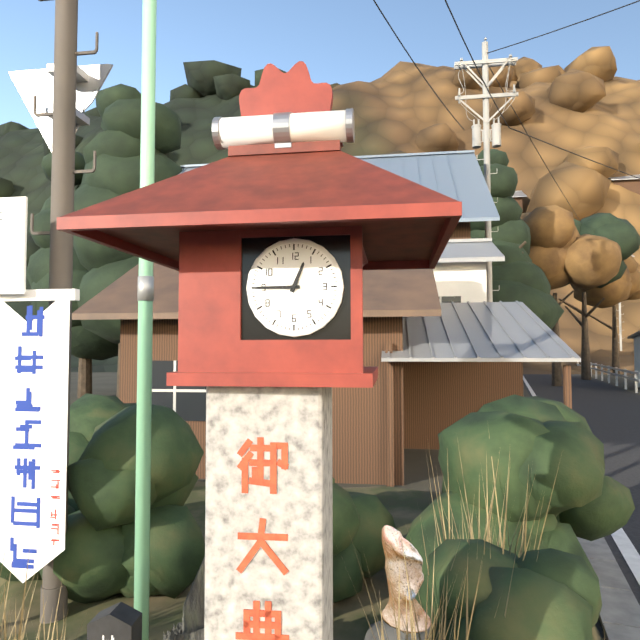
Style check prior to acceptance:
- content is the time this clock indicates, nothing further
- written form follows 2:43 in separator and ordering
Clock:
12:45
